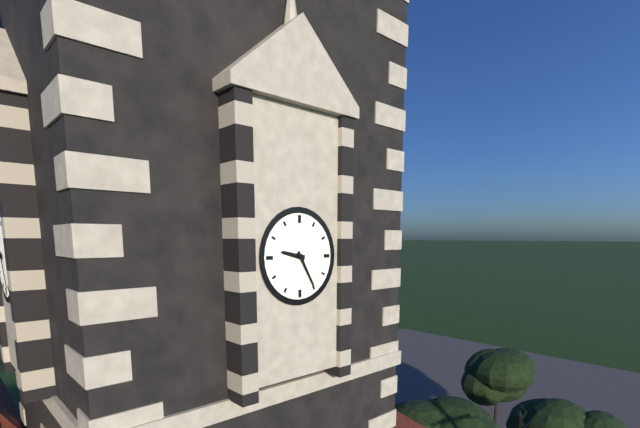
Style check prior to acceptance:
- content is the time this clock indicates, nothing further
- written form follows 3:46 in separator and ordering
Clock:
9:25
